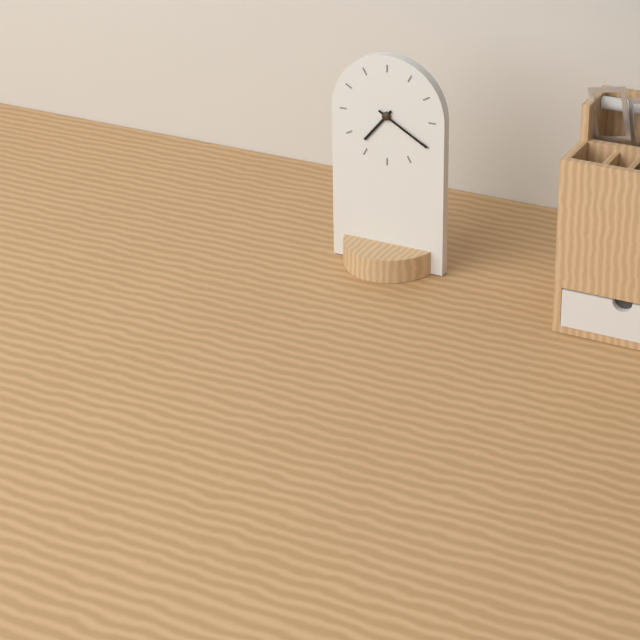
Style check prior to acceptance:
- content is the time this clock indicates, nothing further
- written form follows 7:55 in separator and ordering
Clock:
7:20
